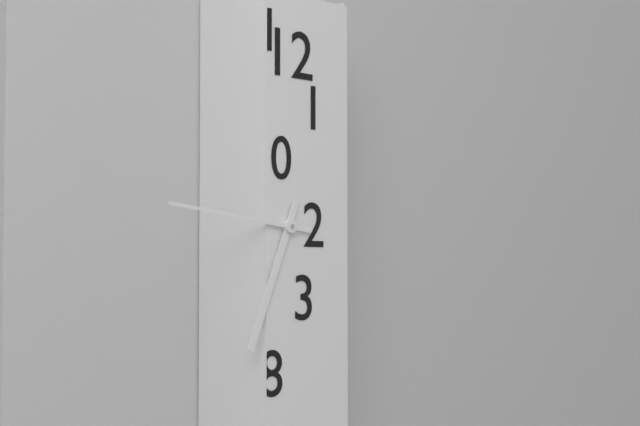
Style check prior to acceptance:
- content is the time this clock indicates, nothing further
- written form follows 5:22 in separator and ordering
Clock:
6:46
